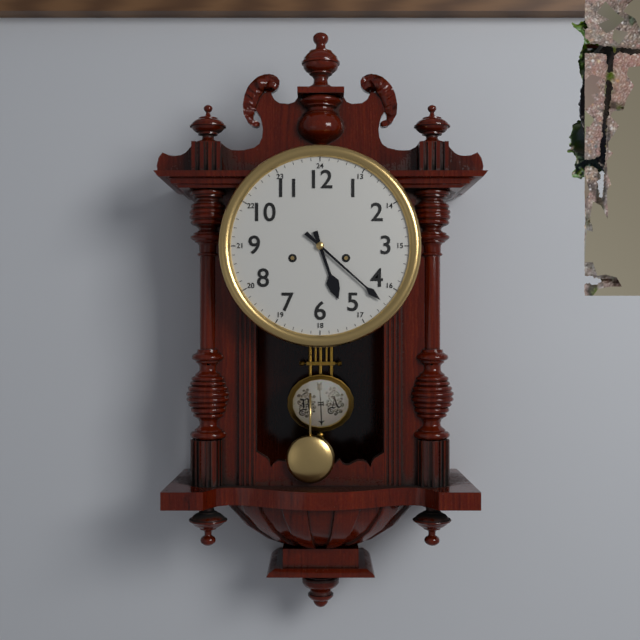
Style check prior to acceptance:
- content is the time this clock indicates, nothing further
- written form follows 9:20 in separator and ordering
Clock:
5:22
